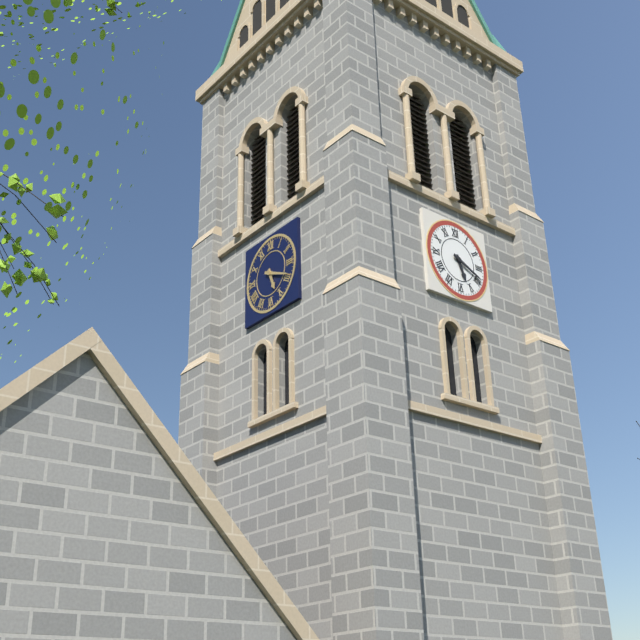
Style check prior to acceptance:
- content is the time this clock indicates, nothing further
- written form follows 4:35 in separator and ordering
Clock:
5:19
